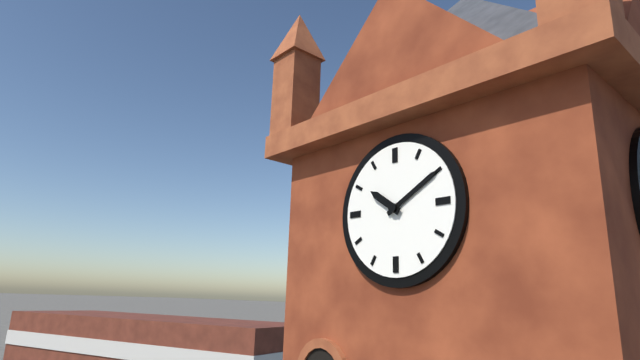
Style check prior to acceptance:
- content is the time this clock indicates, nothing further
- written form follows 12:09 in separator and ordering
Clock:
10:10
